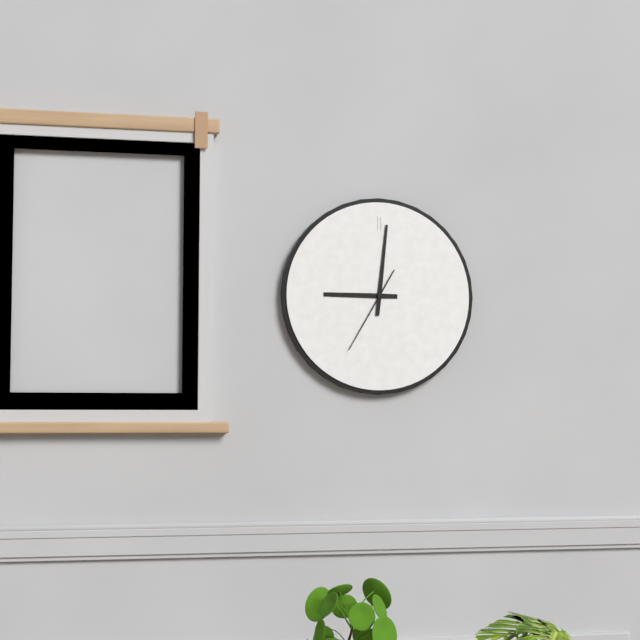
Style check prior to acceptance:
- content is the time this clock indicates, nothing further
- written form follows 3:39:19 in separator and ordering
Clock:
9:01:35
